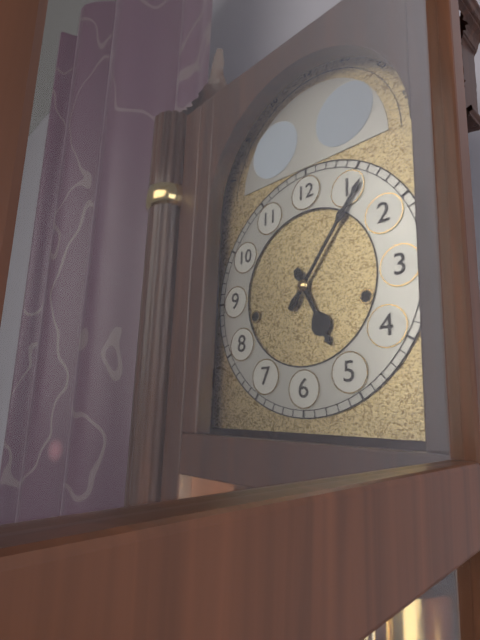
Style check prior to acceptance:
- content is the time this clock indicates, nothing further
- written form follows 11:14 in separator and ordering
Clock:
5:06
